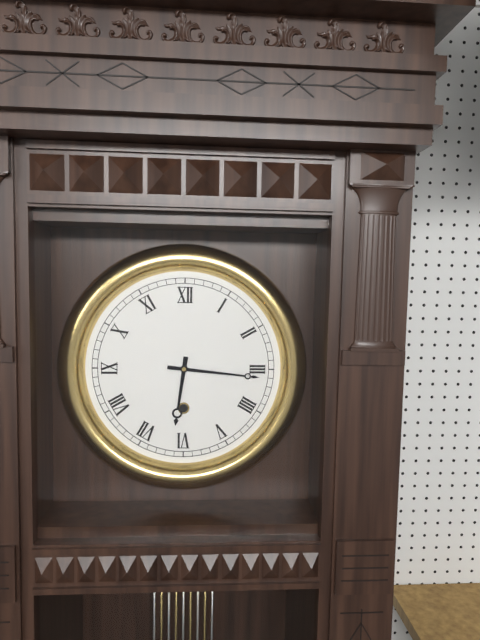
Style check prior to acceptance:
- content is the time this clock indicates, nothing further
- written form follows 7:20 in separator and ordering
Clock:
6:16
